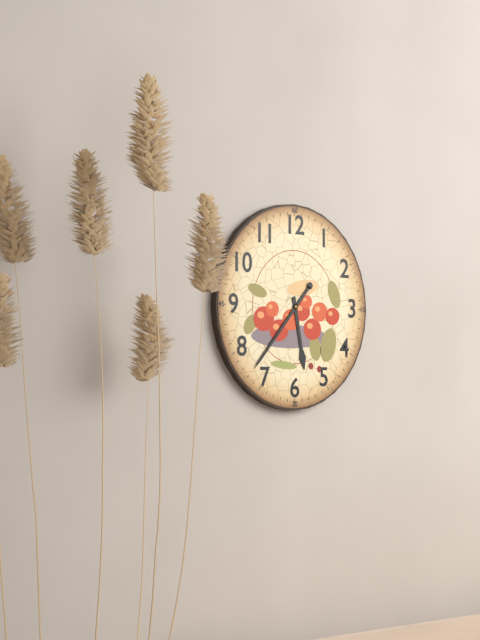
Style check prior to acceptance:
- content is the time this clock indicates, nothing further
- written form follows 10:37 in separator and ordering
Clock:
5:37
